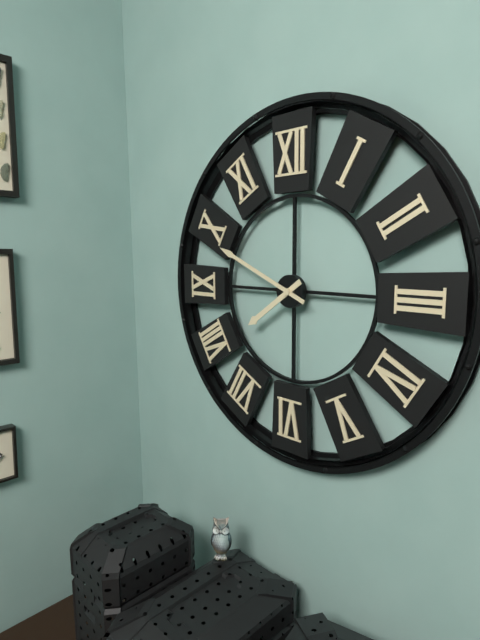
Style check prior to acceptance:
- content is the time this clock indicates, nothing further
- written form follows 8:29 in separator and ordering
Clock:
7:49
